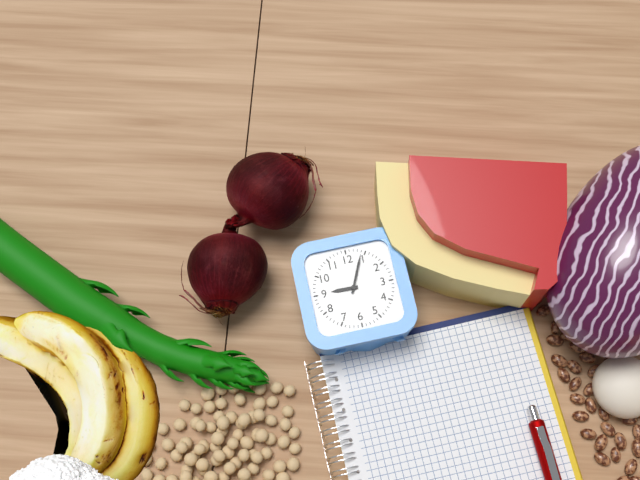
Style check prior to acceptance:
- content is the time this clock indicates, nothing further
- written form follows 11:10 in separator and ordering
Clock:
9:04
